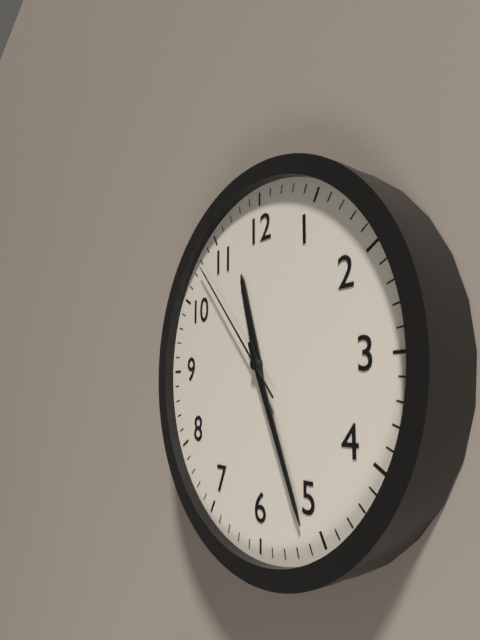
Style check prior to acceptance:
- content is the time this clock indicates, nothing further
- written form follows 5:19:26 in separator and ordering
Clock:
11:26:53
